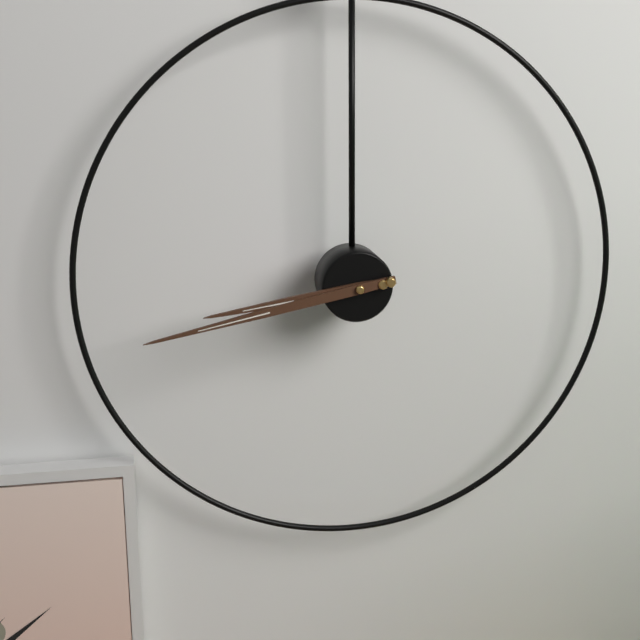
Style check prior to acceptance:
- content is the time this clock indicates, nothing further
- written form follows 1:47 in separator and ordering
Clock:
8:43
